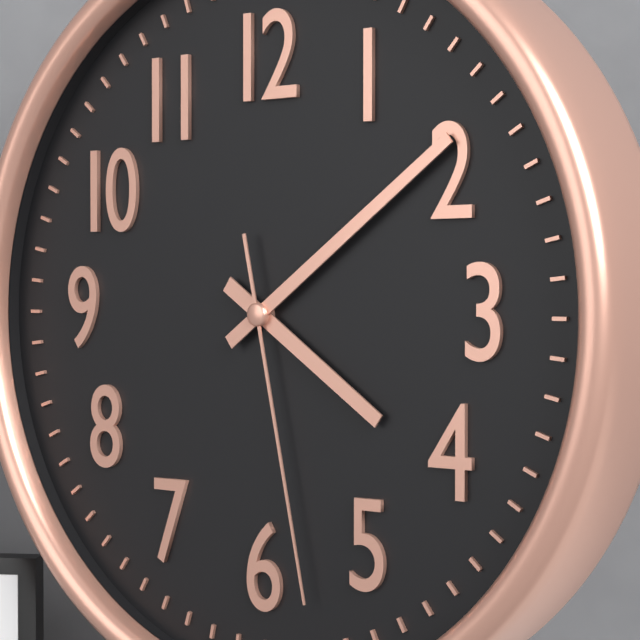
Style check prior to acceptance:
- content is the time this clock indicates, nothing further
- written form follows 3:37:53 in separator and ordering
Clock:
4:09:28
